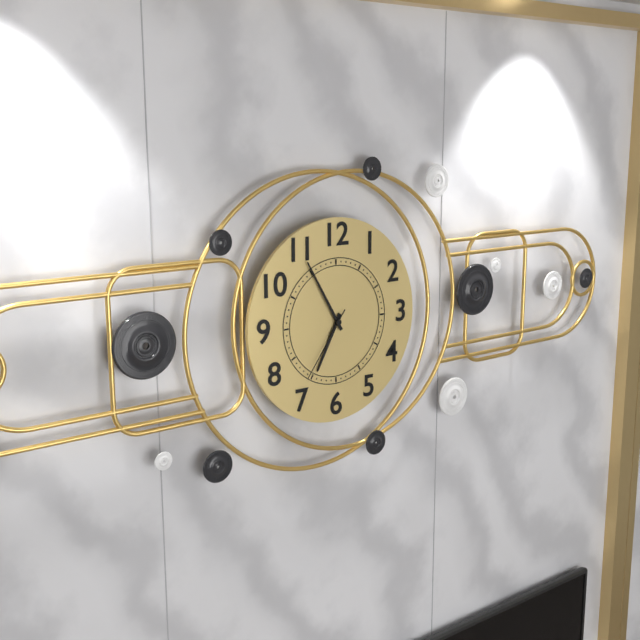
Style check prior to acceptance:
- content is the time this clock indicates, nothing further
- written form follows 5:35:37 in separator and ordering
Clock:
6:55:36
